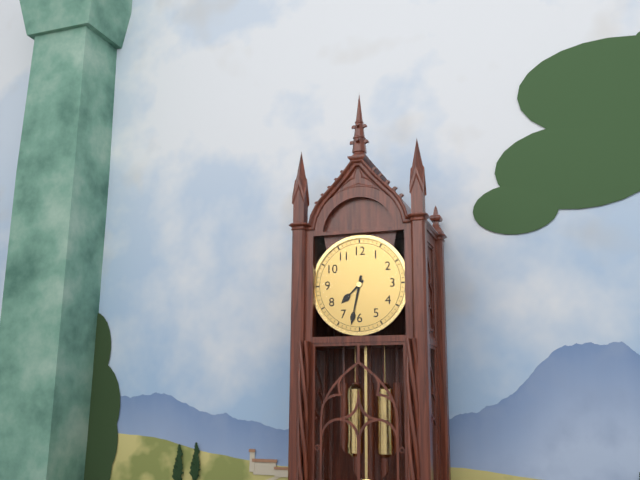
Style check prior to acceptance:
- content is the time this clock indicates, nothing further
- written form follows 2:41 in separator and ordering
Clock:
7:32
